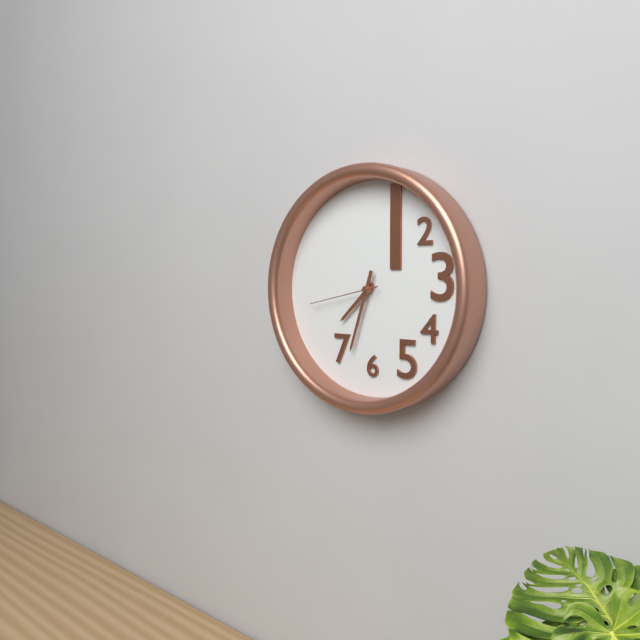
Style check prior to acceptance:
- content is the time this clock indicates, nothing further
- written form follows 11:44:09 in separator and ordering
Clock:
7:33:43
